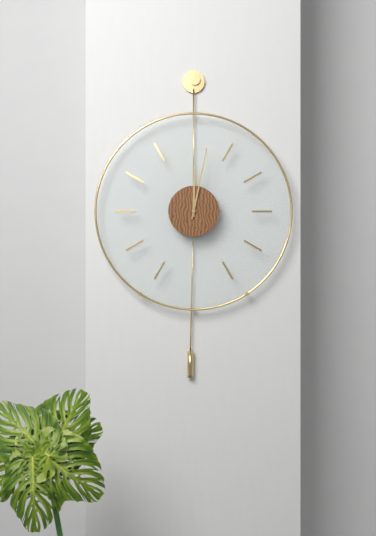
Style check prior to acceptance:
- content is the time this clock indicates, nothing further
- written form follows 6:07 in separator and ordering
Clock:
12:02
